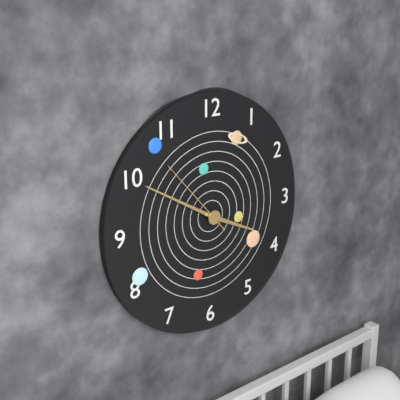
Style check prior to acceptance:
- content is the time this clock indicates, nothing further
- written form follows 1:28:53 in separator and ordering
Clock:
3:50:53
